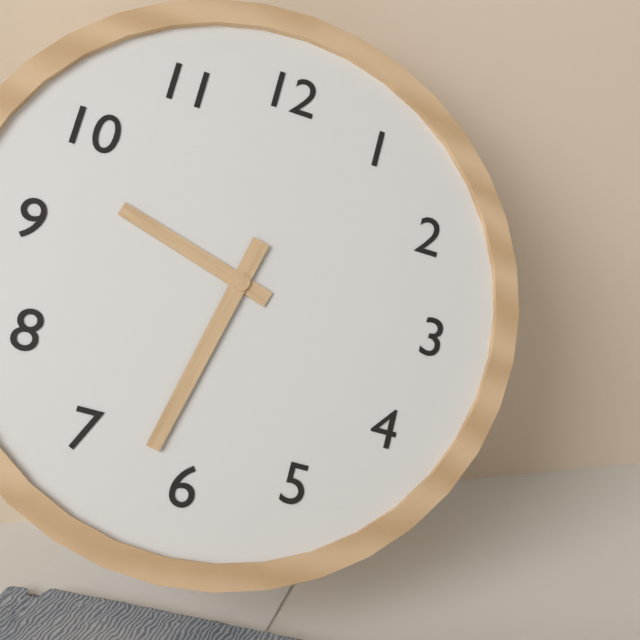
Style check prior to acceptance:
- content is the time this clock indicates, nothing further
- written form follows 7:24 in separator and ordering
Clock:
9:32
